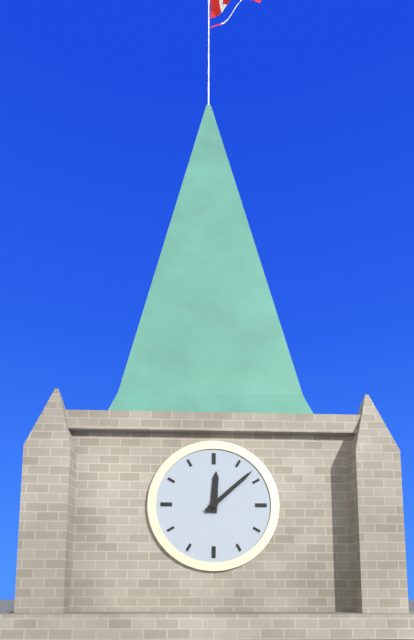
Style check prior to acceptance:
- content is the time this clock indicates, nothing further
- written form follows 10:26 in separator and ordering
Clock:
12:08
